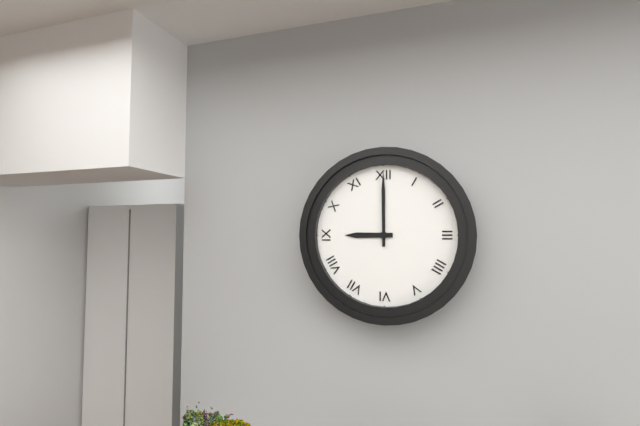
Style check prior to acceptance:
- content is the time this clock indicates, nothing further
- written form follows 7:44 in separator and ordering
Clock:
9:00
